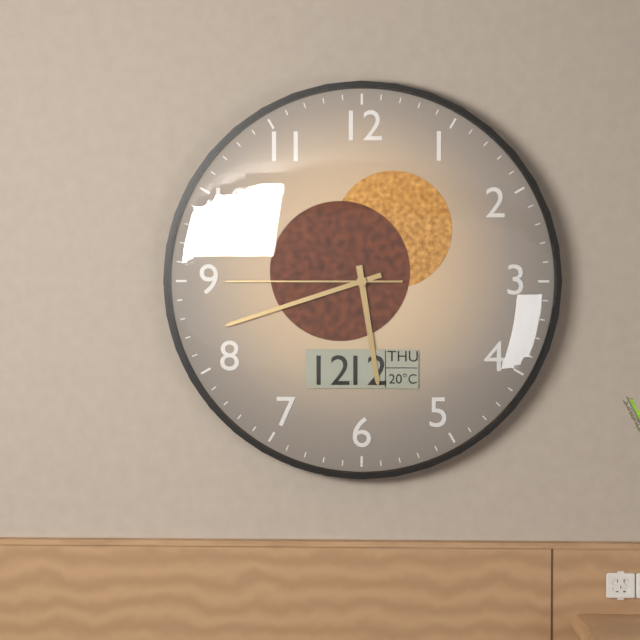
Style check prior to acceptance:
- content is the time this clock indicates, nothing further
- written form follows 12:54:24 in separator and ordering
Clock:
5:42:45
